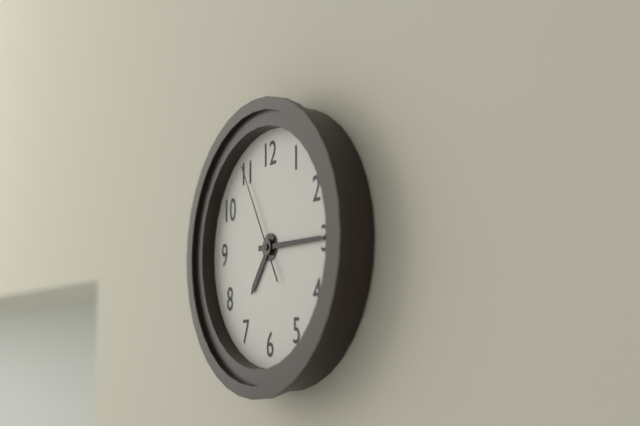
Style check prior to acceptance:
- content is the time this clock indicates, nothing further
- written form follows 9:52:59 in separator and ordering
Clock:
7:15:55
